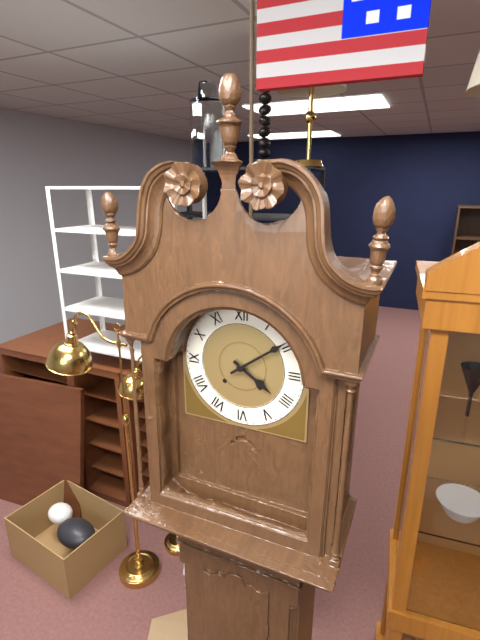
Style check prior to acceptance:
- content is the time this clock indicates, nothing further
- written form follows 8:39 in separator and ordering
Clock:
4:09
